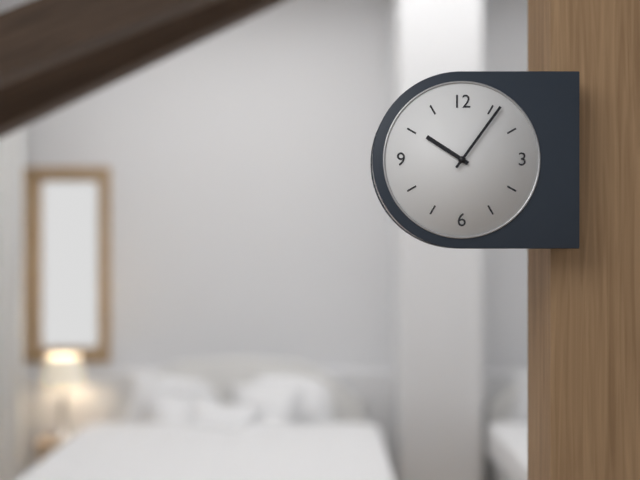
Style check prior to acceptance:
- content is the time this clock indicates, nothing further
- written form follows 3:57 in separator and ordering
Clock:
10:06
